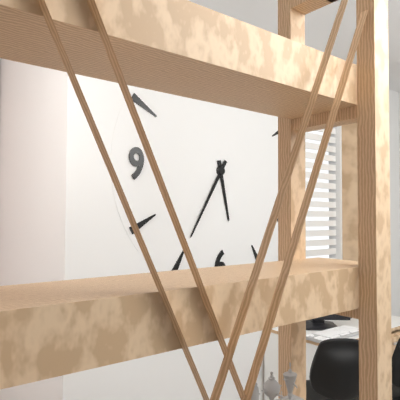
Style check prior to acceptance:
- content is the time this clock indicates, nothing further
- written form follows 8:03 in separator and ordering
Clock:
5:35
